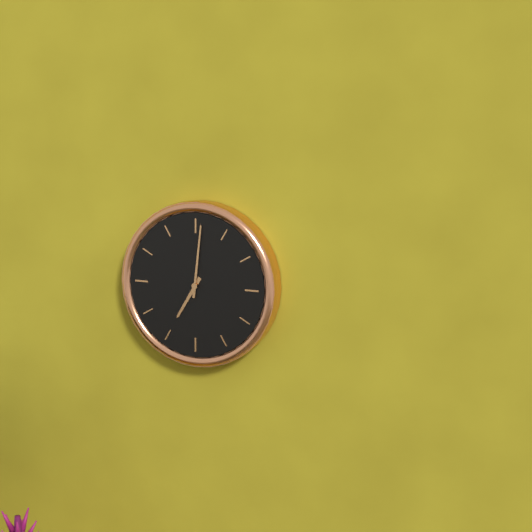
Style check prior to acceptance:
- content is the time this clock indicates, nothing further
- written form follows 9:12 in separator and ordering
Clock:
7:01
